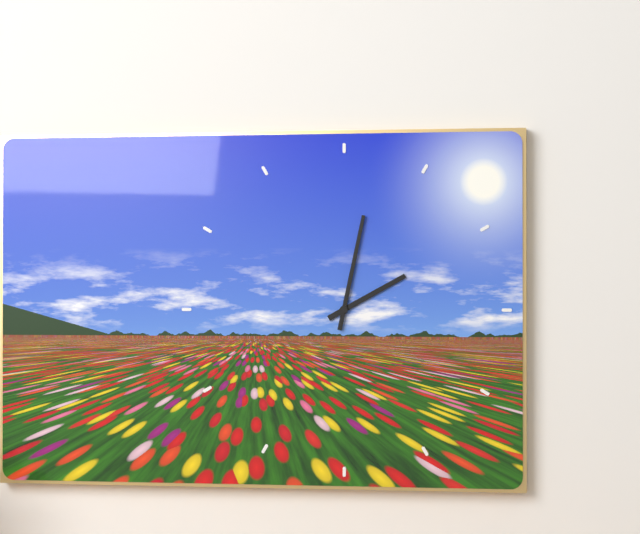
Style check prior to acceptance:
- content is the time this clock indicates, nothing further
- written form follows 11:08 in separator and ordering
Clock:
2:02
